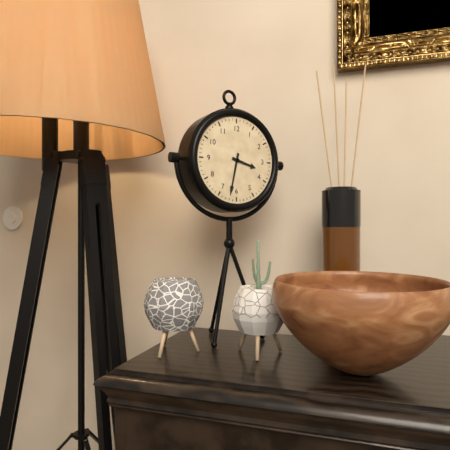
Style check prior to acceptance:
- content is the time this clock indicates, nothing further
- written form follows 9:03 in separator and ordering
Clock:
3:32
